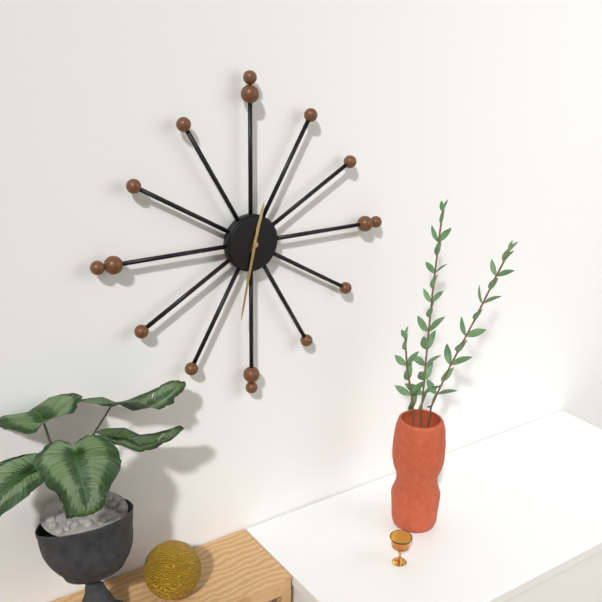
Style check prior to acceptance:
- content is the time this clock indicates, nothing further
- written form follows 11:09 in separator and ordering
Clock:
12:32
